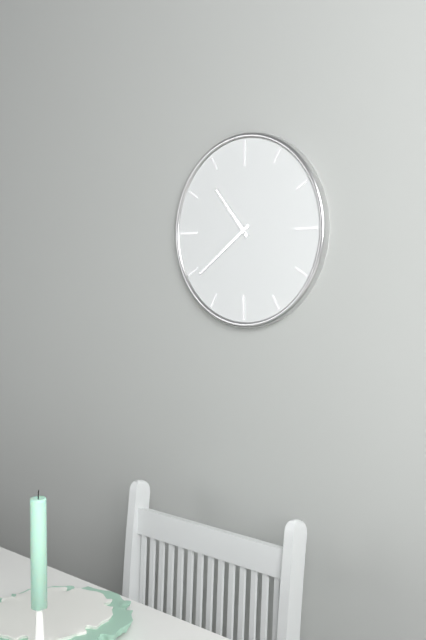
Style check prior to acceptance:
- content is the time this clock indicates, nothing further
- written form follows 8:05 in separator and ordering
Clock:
10:39
